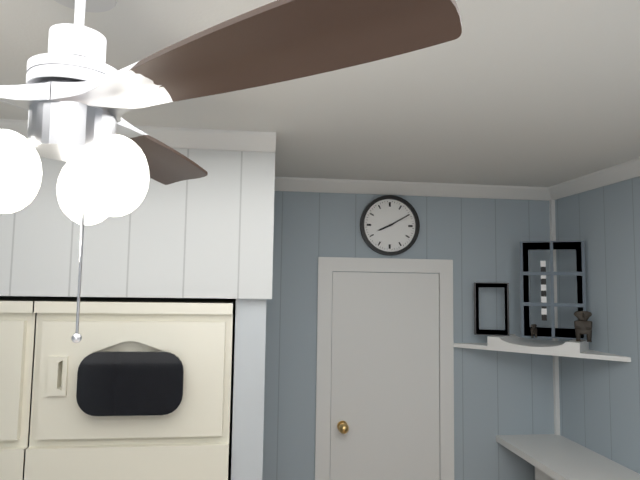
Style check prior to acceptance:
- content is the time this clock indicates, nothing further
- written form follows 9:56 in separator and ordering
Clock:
8:10
